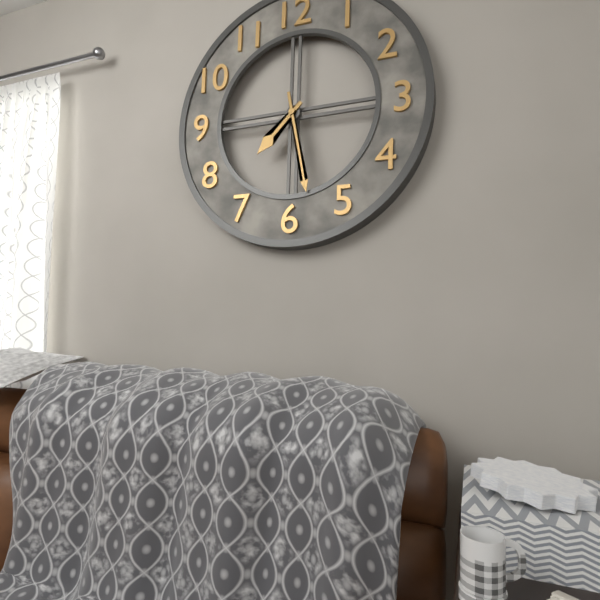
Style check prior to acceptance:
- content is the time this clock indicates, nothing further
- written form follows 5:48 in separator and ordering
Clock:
7:28
